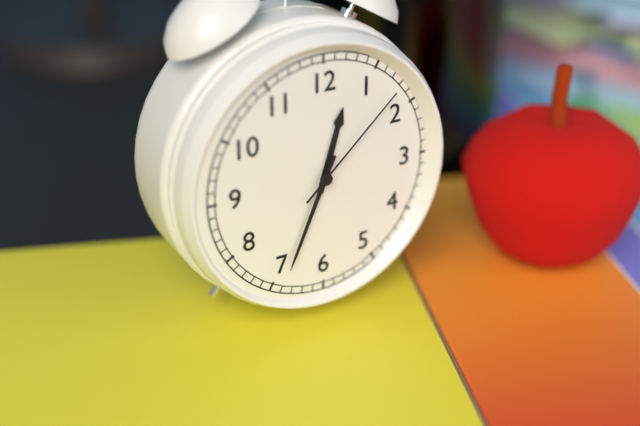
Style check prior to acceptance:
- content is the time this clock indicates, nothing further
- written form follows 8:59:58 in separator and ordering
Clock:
12:34:08
